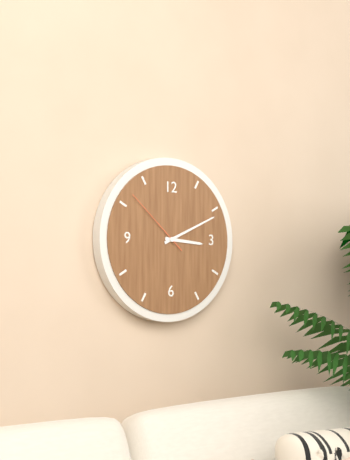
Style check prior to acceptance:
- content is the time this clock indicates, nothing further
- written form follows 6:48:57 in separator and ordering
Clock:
3:11:52
